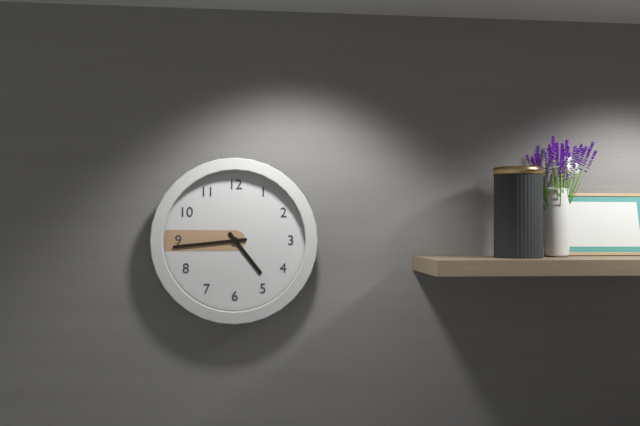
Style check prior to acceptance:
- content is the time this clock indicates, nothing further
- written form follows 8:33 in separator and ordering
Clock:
4:44
